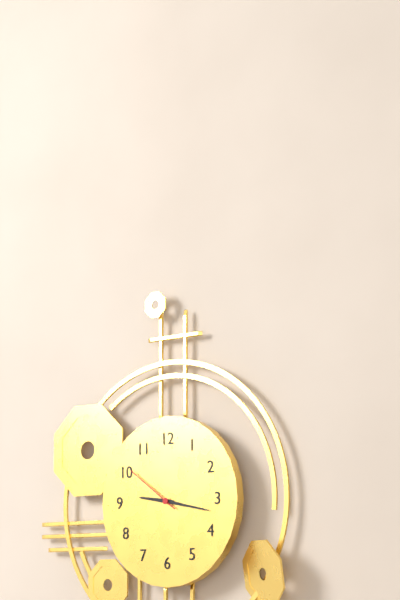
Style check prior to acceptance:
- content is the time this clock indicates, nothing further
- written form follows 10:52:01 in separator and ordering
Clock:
9:17:51
